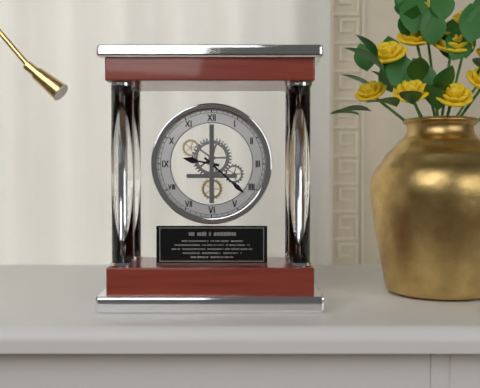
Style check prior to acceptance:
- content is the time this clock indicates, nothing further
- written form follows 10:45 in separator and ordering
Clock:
9:22
